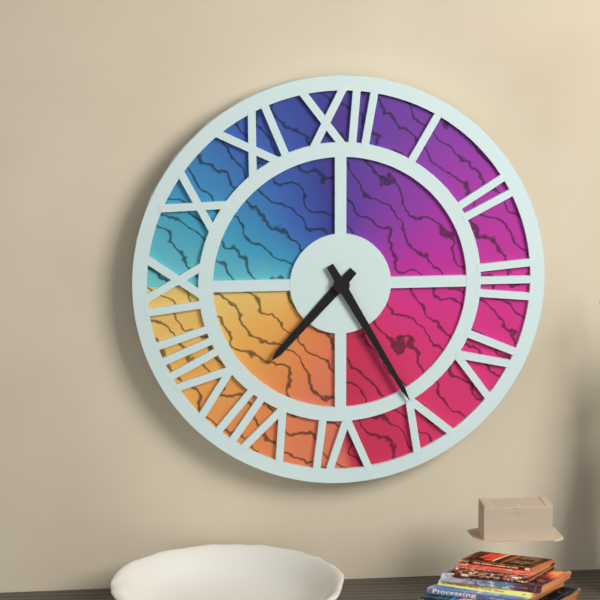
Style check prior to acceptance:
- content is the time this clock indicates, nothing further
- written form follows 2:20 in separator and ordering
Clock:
7:25
